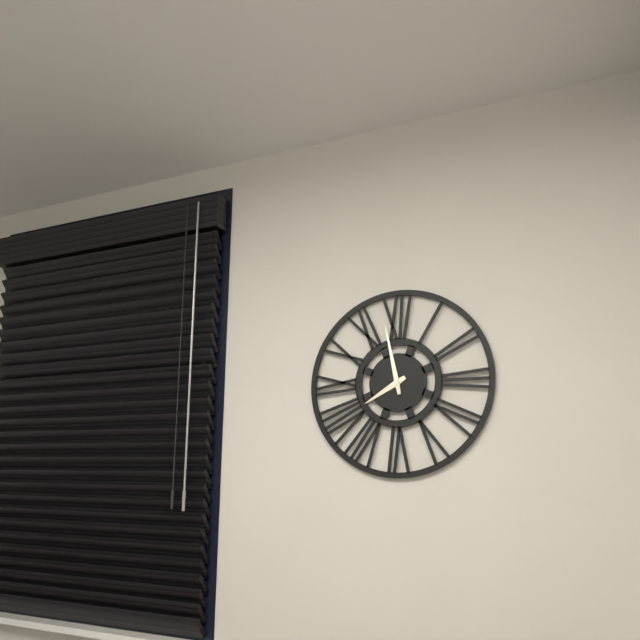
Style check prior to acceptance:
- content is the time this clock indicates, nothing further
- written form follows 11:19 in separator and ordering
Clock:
7:58
